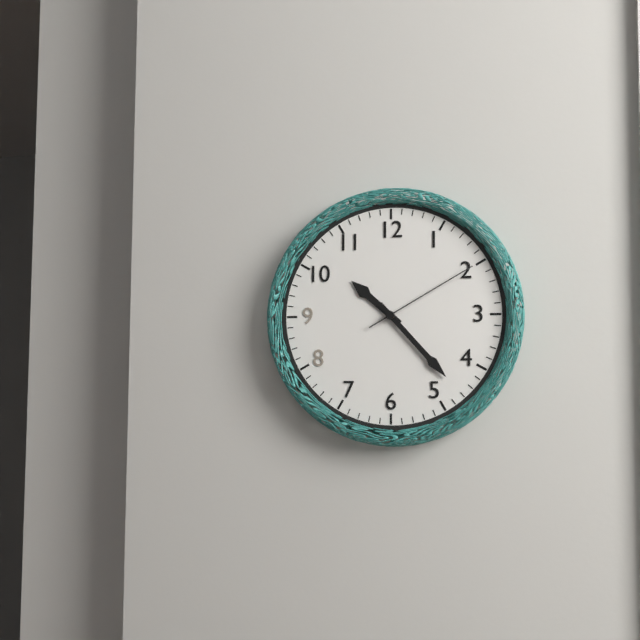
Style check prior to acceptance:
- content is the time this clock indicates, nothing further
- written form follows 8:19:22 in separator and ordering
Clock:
10:23:10
